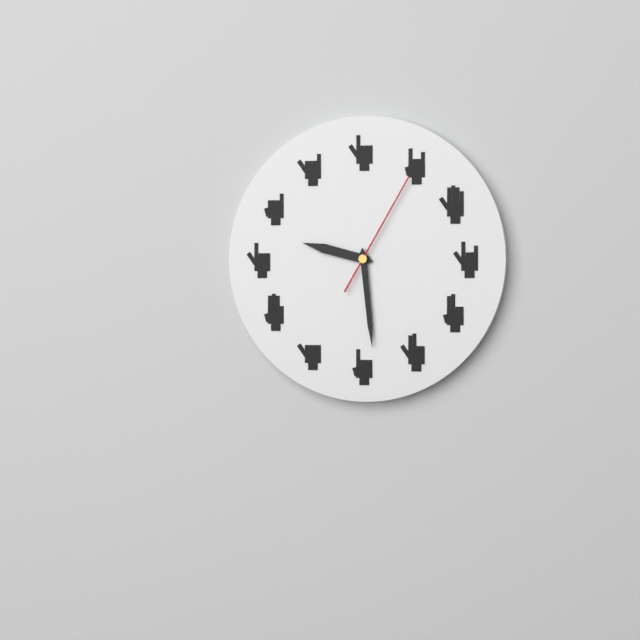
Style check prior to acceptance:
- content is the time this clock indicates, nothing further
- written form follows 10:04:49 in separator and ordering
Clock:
9:29:05
